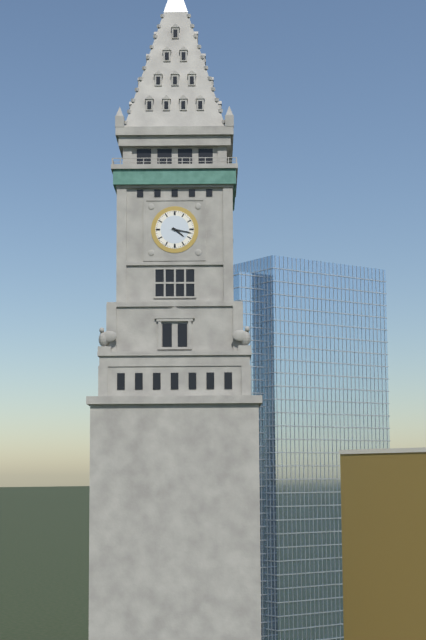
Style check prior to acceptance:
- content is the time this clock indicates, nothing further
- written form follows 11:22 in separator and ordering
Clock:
4:17
